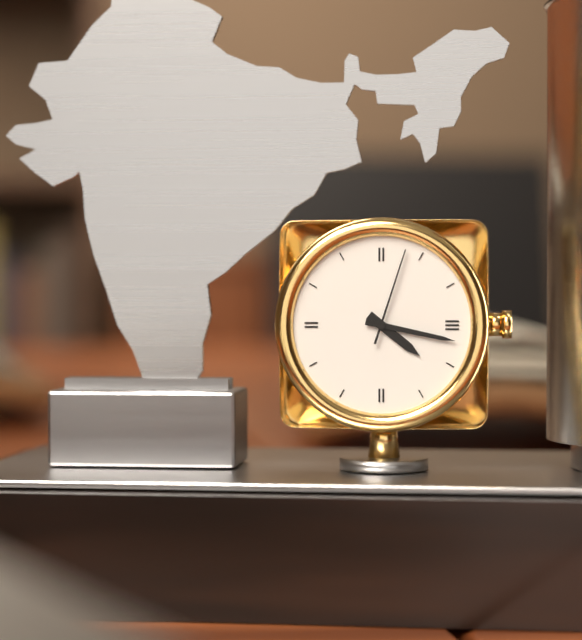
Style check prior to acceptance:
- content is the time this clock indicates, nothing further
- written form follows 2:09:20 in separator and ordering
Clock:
4:17:03
